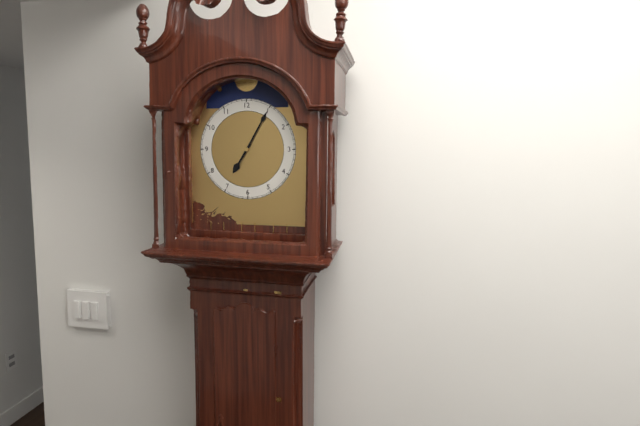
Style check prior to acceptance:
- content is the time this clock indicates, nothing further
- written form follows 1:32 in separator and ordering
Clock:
7:05
